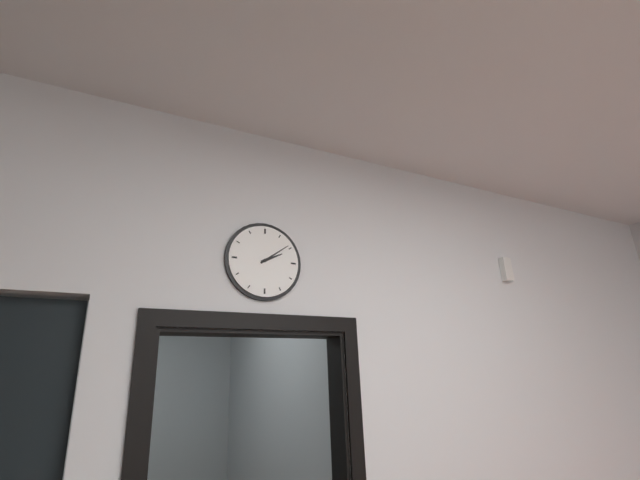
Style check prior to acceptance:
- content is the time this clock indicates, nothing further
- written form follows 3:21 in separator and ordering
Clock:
2:09
